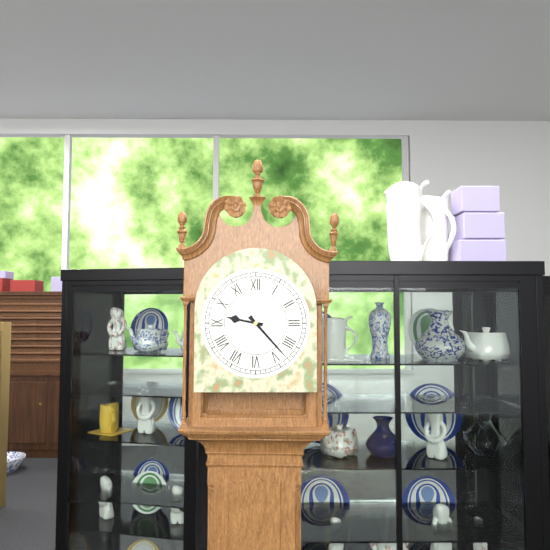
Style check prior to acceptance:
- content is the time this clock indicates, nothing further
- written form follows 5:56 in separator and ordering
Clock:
9:23
